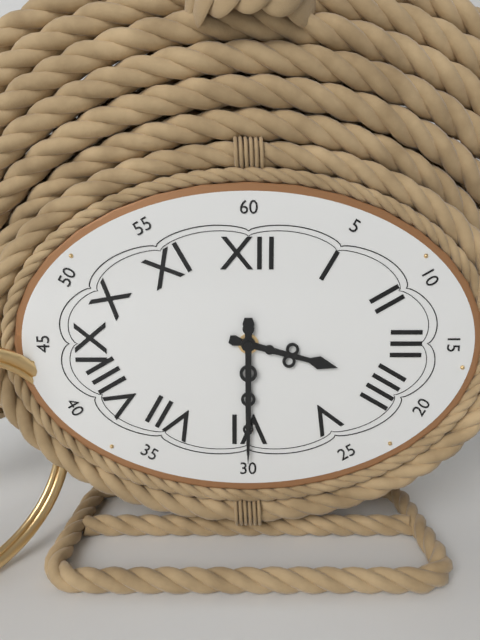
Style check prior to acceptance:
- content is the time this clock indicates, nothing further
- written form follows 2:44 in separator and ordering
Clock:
3:30
